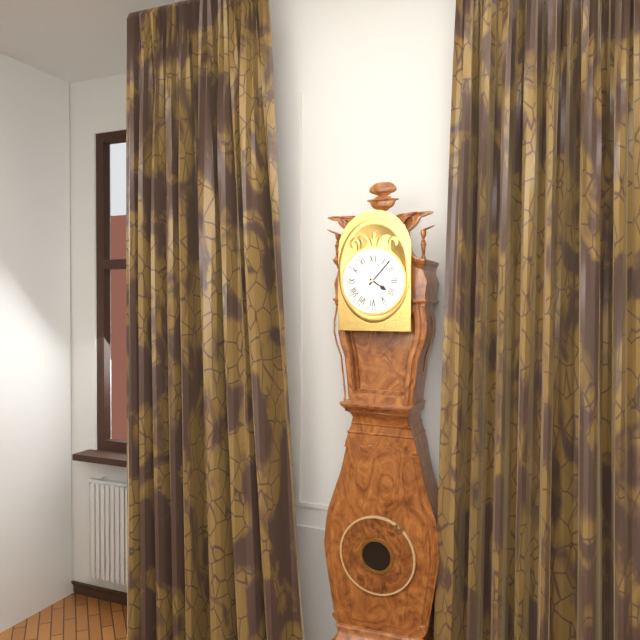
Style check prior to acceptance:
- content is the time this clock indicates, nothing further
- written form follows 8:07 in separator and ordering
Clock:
4:07
